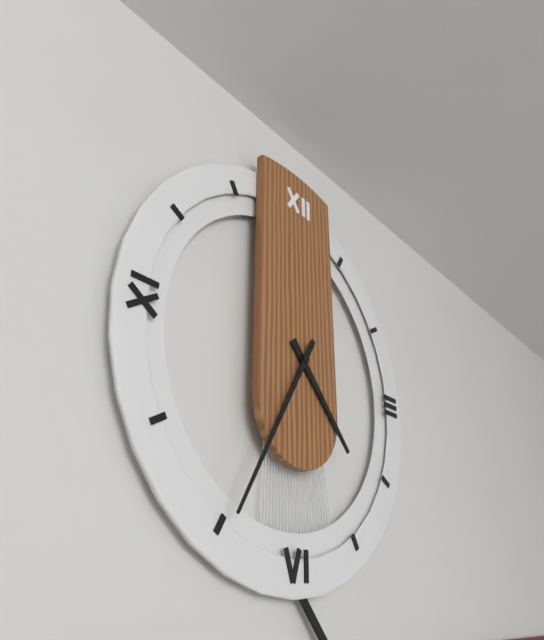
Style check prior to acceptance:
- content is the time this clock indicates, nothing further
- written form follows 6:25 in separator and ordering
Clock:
4:35
